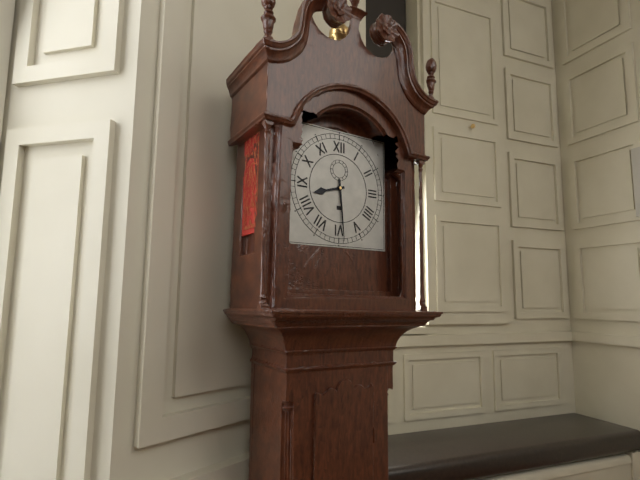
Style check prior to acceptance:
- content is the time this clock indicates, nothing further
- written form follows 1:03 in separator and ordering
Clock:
8:29
